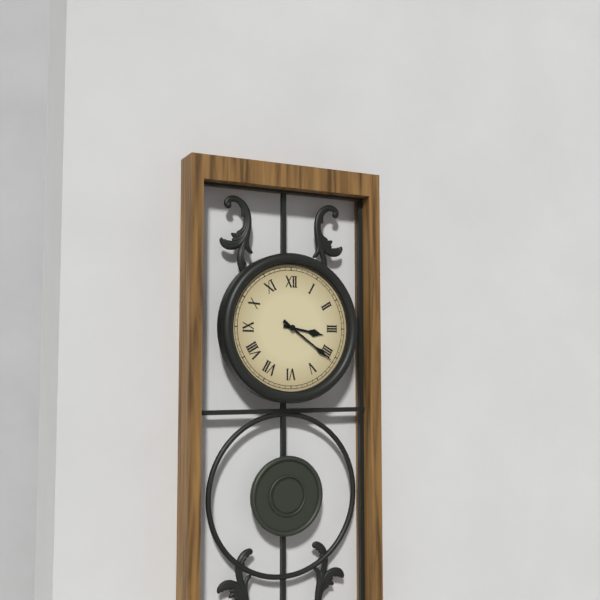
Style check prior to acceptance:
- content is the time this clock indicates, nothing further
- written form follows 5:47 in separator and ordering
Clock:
3:21
